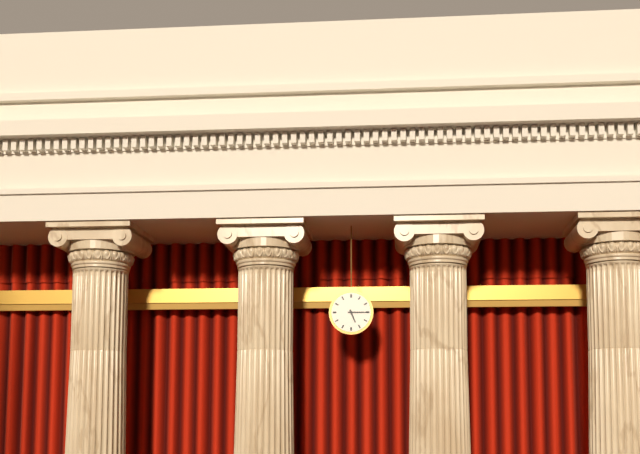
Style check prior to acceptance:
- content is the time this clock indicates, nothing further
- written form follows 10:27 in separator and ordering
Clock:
5:15
